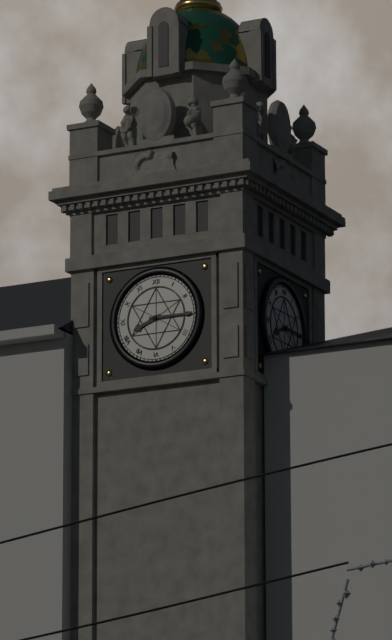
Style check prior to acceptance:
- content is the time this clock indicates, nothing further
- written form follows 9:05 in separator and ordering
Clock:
8:15
